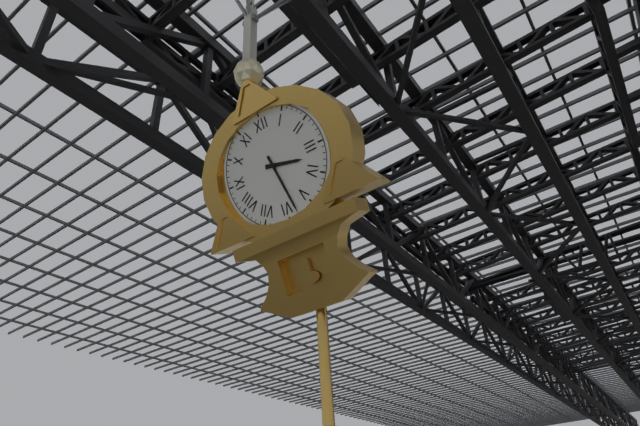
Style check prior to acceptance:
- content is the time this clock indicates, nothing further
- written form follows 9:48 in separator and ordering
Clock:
3:28
